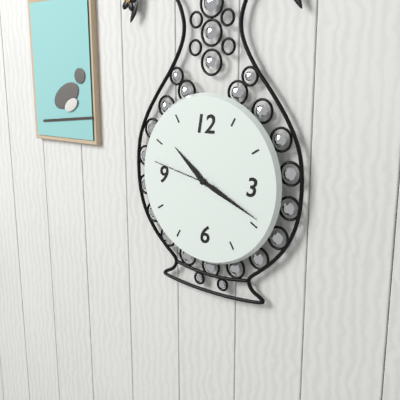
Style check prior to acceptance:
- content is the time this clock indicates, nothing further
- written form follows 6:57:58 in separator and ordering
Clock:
10:19:47
